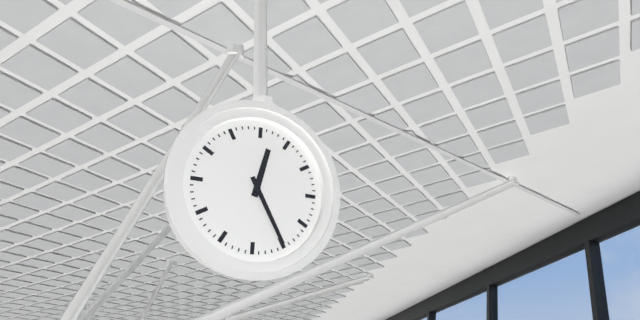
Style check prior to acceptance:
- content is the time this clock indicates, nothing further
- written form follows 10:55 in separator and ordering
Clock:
12:25
